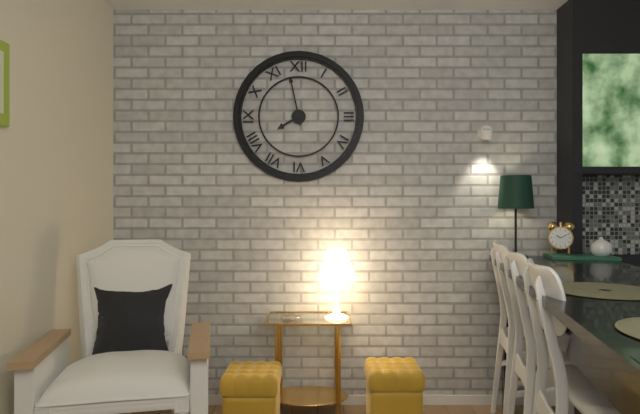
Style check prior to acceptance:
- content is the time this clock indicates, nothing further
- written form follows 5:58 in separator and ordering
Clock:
7:58
